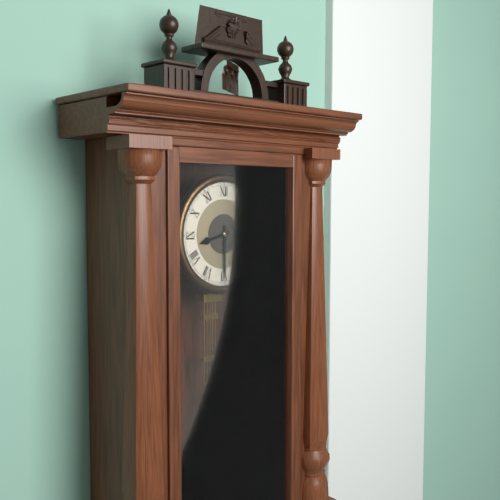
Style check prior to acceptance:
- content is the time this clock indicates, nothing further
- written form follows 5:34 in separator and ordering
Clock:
8:30
